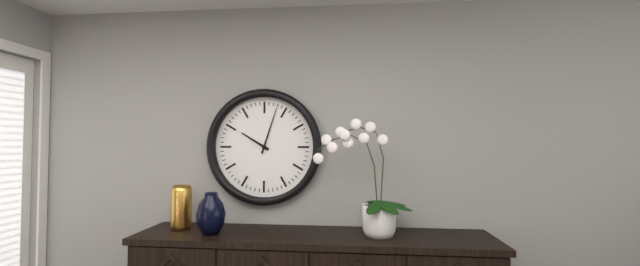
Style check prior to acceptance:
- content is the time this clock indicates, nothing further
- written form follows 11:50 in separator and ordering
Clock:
10:03
